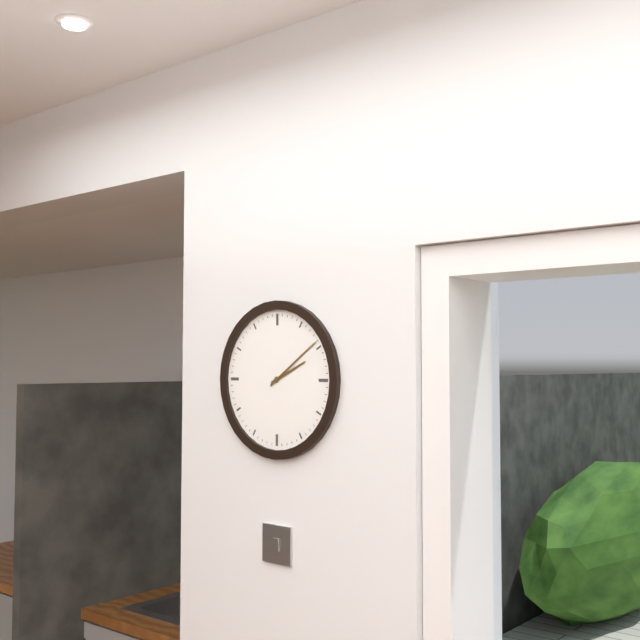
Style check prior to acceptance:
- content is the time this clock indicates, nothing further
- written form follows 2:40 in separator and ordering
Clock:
2:09
